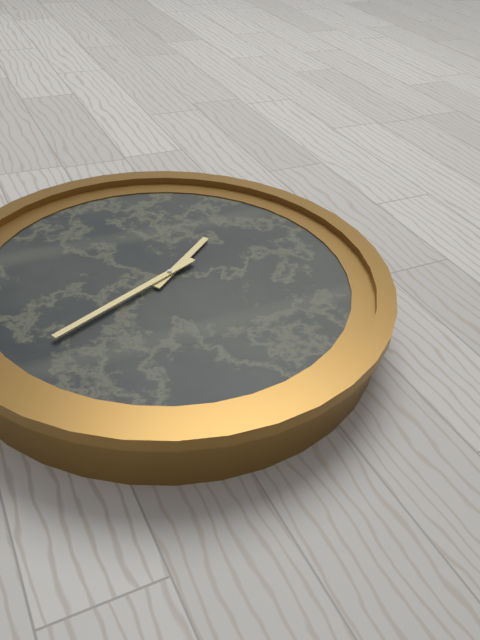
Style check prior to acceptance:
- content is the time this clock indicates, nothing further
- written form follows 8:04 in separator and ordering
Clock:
1:41
